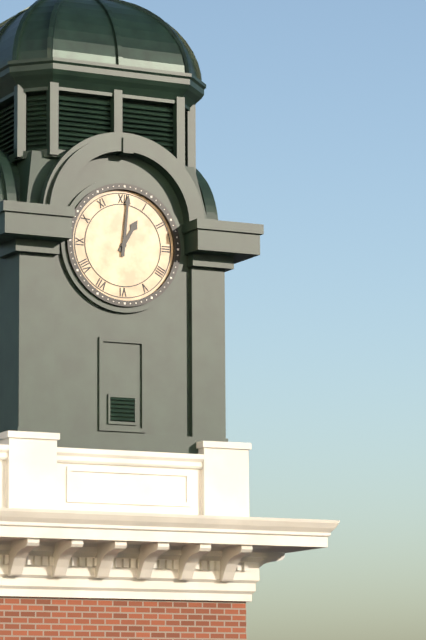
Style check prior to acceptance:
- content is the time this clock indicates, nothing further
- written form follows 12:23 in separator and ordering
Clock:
1:01
